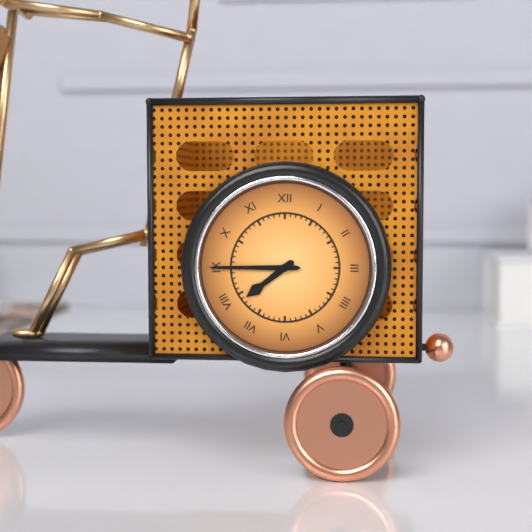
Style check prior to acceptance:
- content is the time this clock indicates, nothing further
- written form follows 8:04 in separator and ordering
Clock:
7:45
